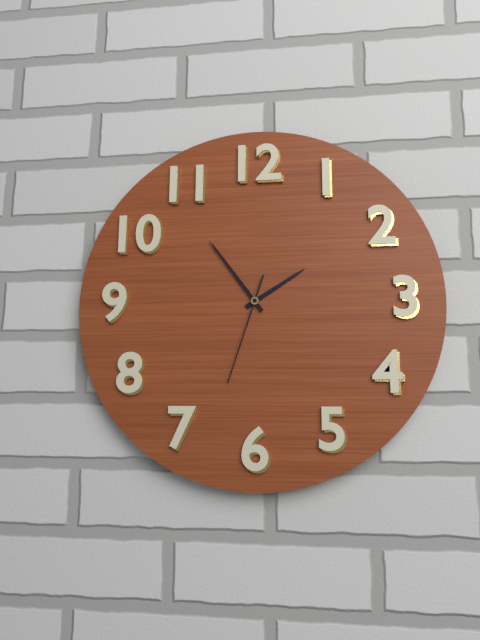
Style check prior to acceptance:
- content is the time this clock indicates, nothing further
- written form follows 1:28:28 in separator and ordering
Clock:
1:54:33
